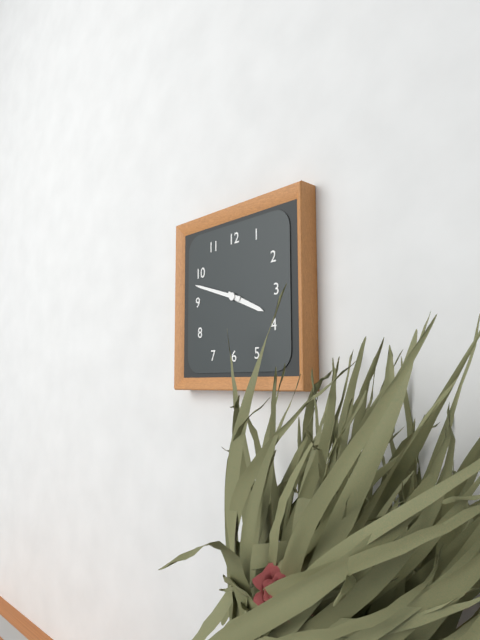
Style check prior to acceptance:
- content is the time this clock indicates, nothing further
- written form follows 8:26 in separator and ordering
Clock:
3:48
